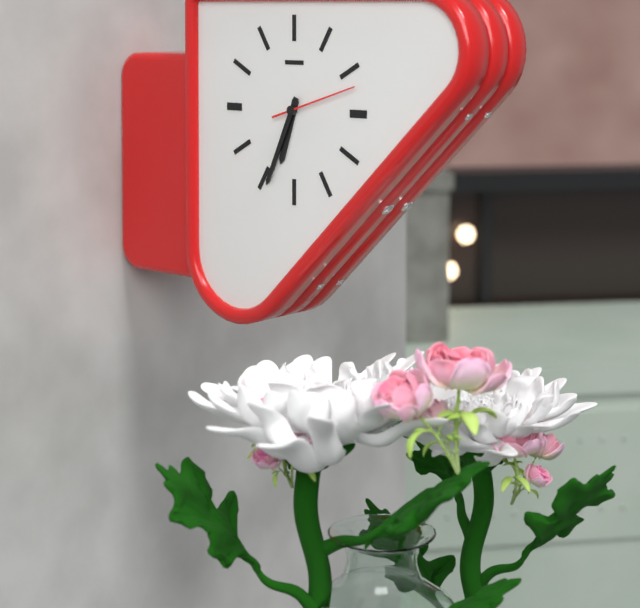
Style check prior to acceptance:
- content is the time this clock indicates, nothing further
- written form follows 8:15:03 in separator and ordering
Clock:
6:34:12
